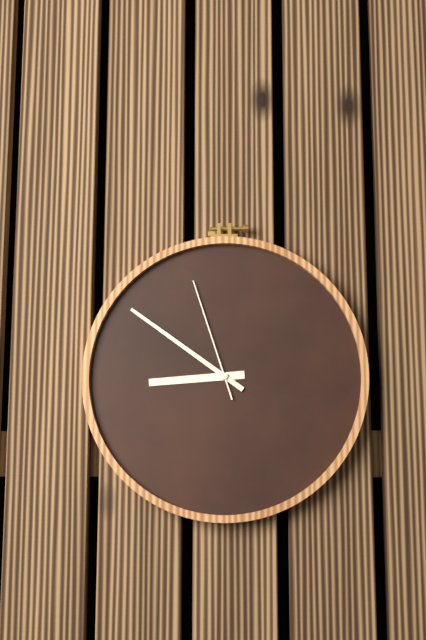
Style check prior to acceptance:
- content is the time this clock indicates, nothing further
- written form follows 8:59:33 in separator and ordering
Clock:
8:51:57
